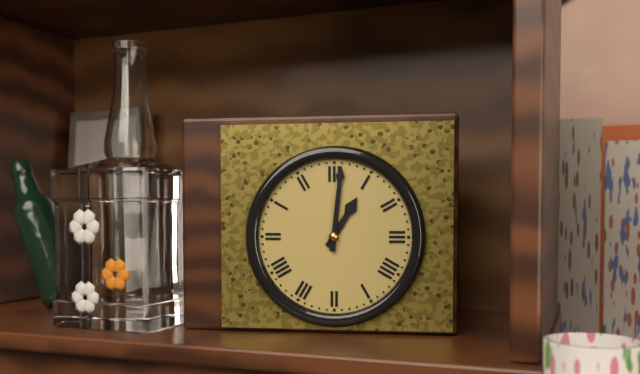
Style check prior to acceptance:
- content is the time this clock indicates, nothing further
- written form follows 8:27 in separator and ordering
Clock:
1:01
